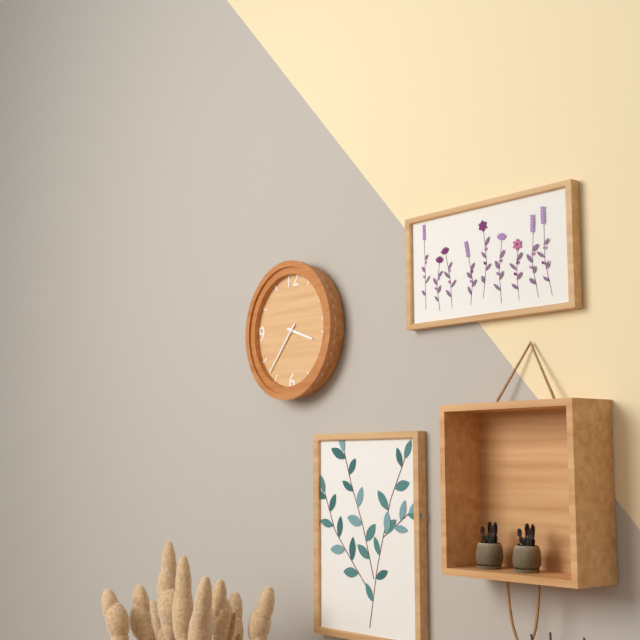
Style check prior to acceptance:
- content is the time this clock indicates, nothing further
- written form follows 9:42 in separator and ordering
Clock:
3:37
